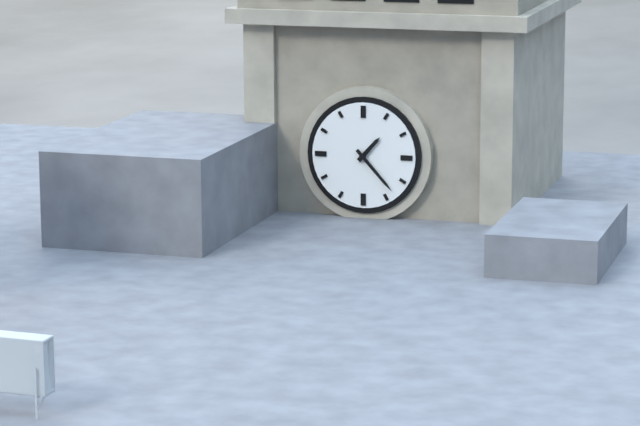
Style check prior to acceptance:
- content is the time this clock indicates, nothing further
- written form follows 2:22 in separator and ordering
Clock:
1:23
